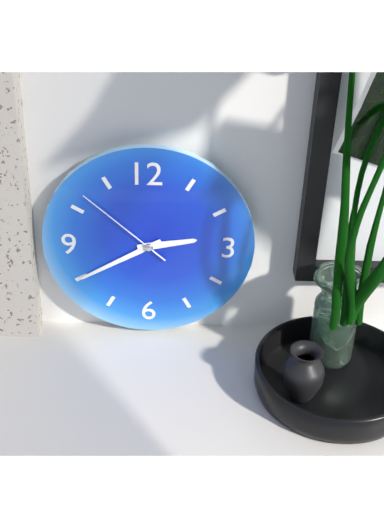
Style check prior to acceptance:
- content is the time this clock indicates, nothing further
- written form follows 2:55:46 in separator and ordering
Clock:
2:40:52
